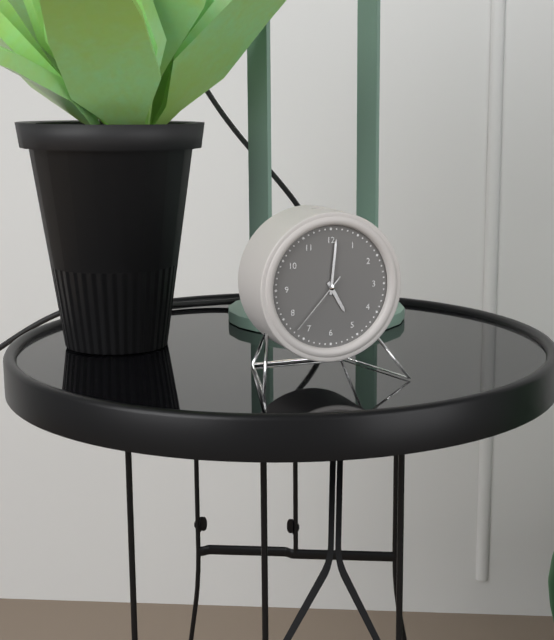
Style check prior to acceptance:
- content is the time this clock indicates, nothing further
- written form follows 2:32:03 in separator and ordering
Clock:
5:01:37
